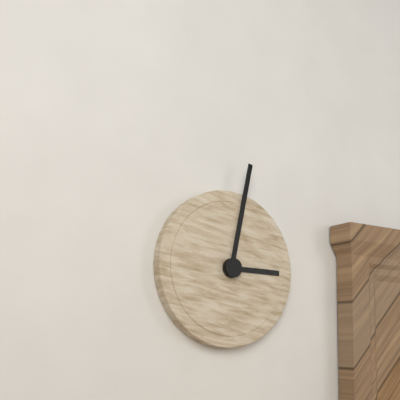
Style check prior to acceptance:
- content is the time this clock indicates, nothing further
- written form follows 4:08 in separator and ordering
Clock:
3:02
